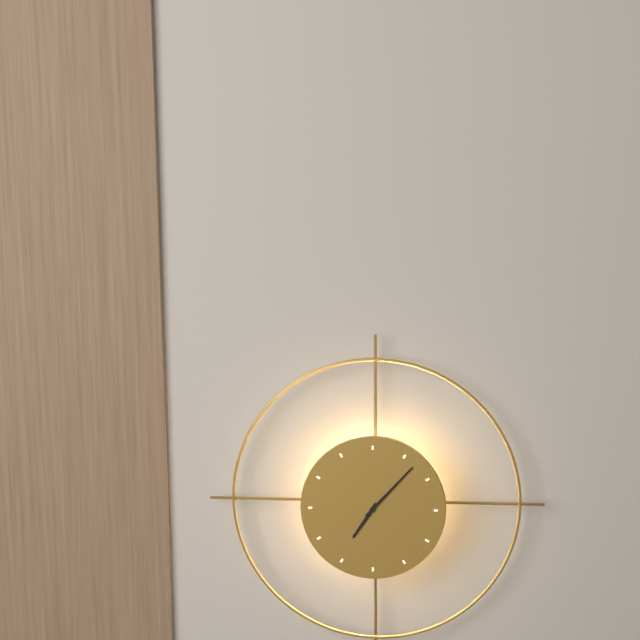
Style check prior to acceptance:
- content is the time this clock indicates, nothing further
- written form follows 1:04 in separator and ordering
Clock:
7:07
